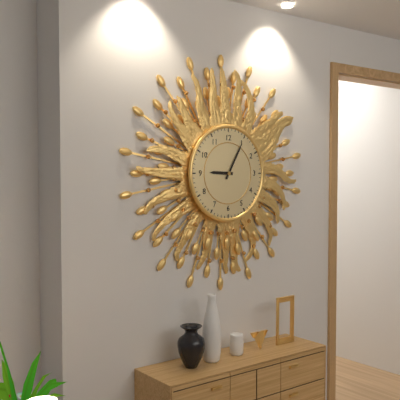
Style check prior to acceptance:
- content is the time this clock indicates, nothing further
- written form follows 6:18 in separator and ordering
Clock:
9:05
